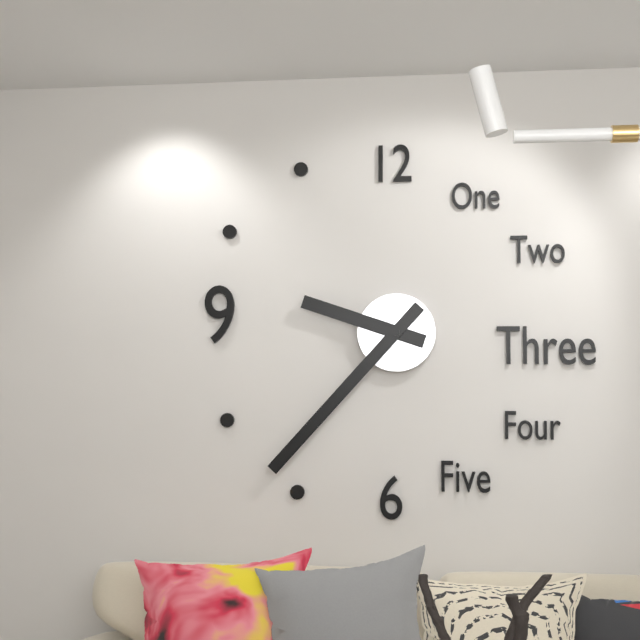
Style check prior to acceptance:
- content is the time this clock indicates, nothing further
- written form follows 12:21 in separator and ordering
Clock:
9:37
